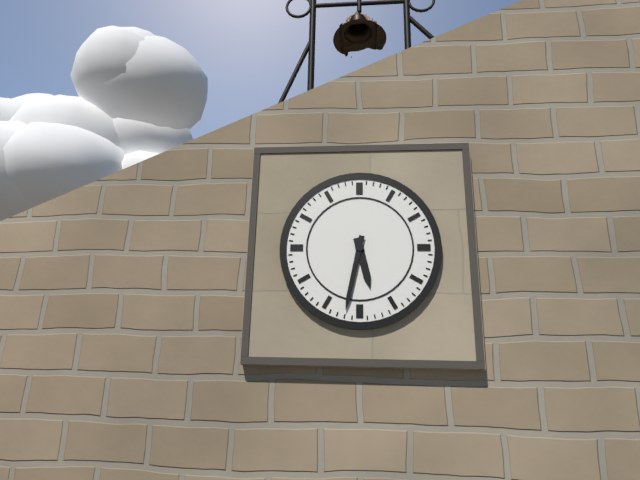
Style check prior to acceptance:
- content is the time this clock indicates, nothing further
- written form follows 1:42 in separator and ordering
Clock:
5:32
